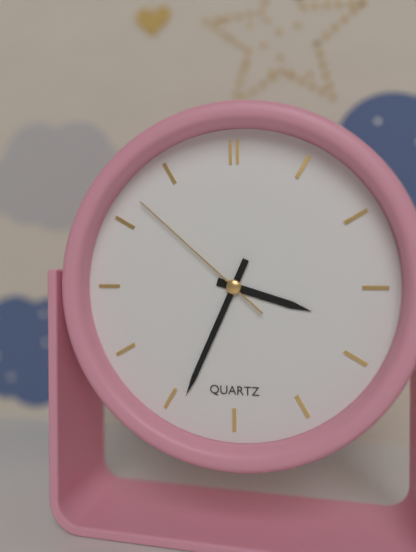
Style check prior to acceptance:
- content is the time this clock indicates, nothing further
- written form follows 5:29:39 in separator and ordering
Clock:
3:34:52
